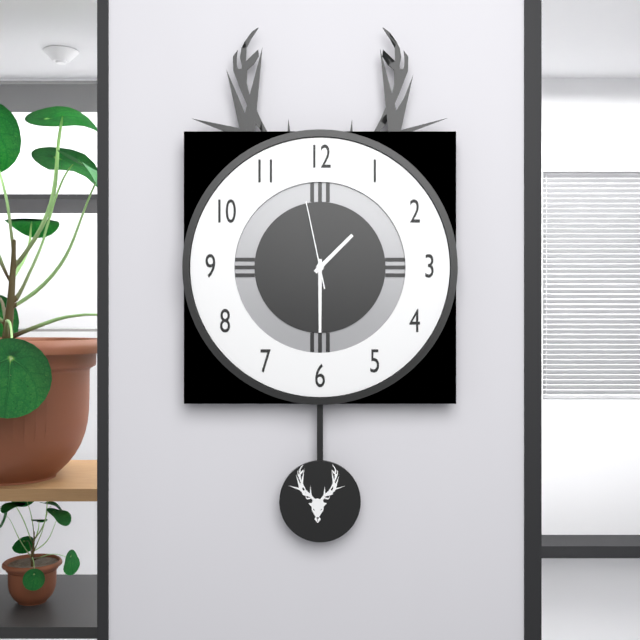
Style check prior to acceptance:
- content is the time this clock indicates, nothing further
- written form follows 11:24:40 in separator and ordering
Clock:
1:30:58
